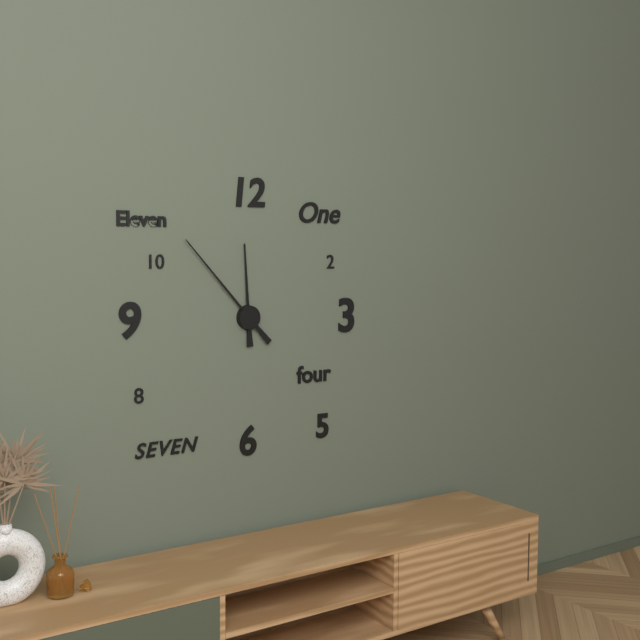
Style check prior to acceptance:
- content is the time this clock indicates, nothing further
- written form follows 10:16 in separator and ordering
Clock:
11:53
